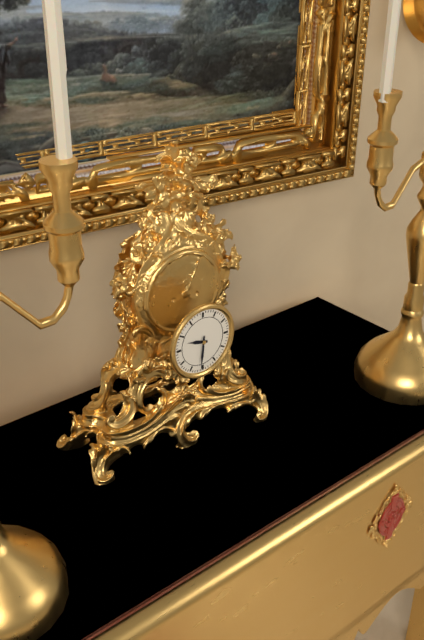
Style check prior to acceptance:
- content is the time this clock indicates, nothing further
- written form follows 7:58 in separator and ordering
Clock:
9:31
